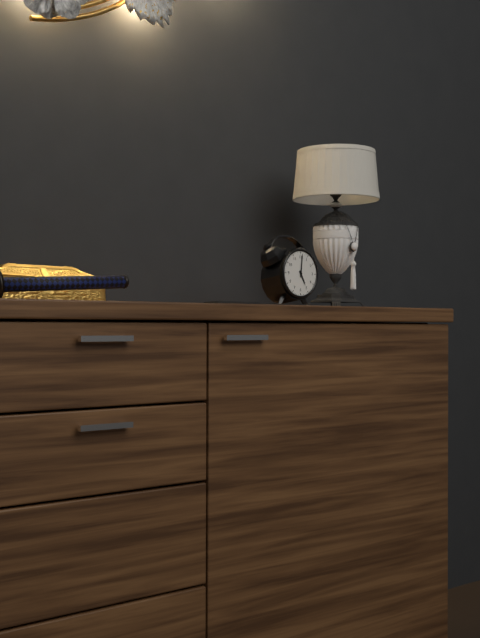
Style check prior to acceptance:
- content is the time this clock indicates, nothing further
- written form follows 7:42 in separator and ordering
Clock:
5:01
